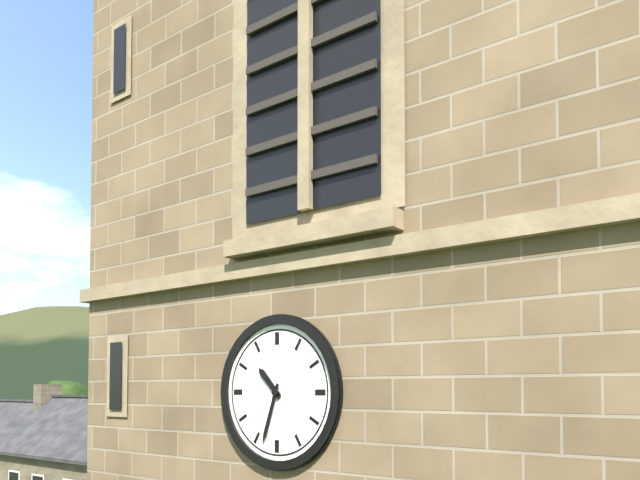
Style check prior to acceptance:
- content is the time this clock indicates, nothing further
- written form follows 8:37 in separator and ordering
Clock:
10:33
